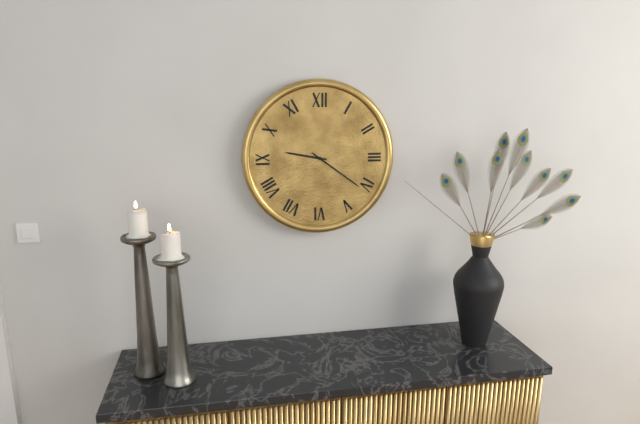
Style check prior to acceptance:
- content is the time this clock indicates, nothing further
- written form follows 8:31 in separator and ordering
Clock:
9:21
